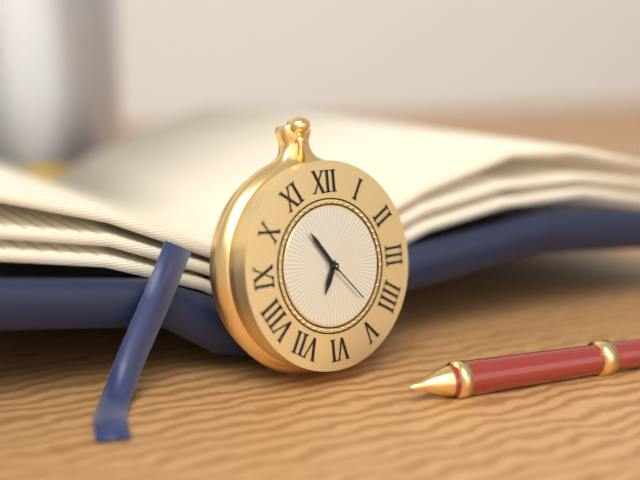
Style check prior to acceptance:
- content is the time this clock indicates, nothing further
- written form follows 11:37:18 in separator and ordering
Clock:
6:54:23
